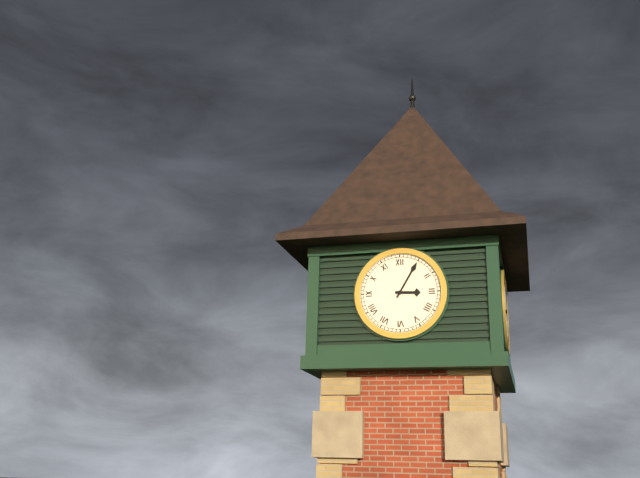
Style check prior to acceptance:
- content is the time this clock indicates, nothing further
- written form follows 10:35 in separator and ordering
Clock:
3:05
